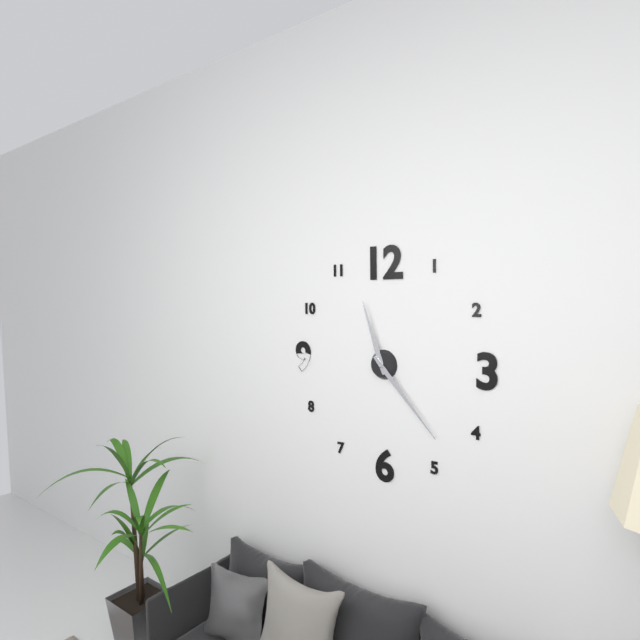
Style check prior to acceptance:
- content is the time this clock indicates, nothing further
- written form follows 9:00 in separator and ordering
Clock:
11:23
